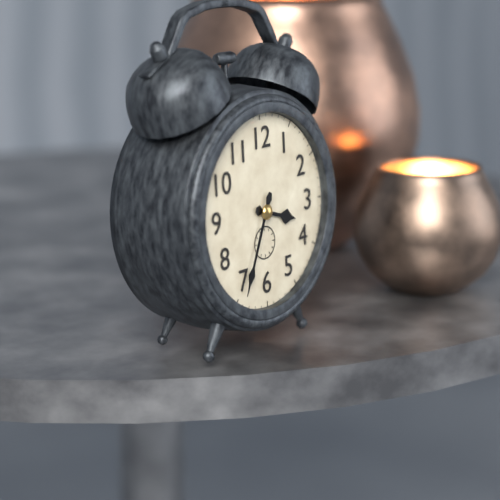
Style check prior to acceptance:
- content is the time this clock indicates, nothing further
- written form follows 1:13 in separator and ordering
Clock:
3:34
